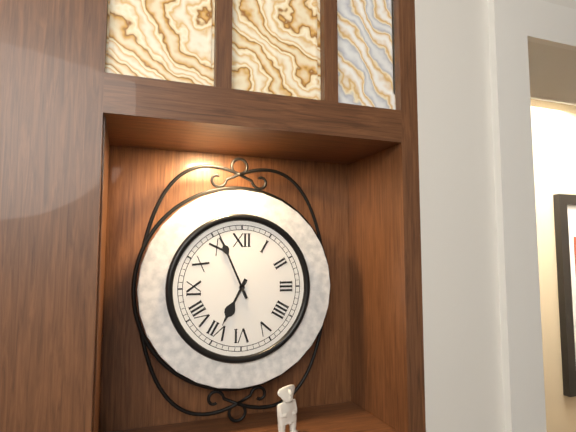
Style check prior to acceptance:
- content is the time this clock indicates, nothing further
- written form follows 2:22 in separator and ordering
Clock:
6:56
